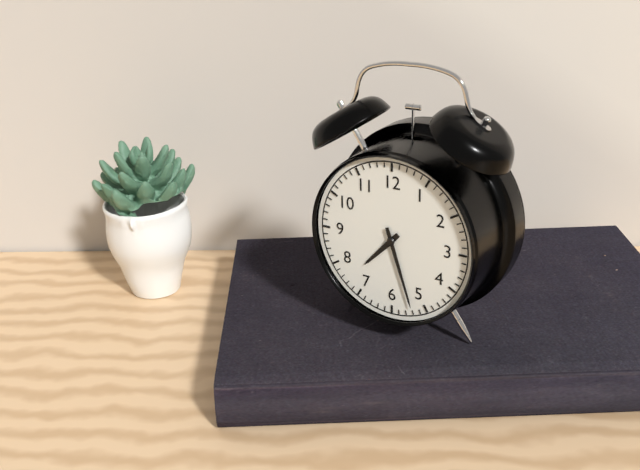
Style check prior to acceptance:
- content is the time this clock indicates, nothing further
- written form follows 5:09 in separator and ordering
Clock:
7:27
